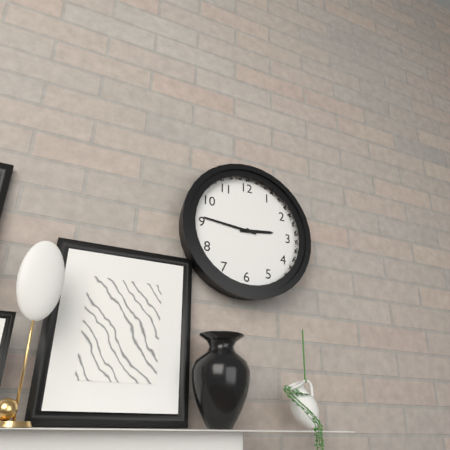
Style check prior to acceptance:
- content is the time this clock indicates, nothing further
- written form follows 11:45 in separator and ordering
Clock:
2:46
